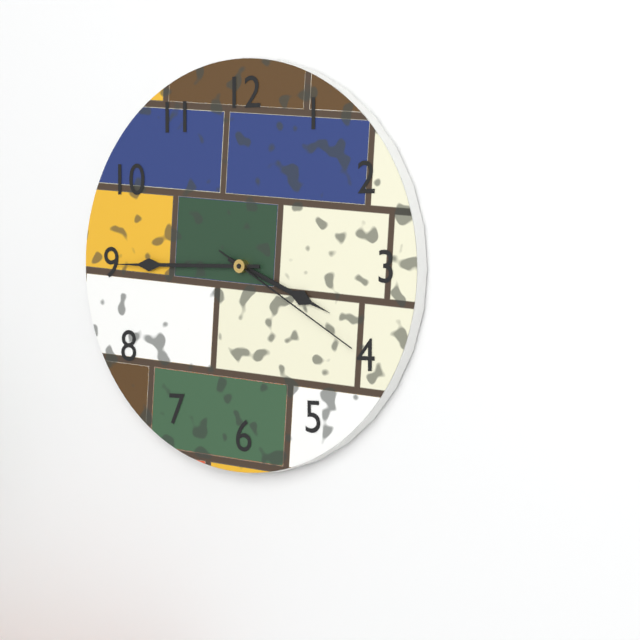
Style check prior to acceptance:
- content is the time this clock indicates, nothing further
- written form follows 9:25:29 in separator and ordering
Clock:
3:45:20
